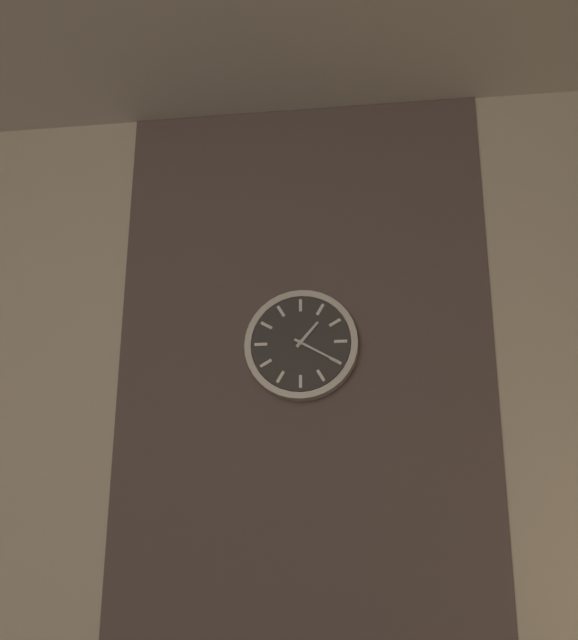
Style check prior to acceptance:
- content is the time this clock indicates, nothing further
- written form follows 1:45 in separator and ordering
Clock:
1:20
